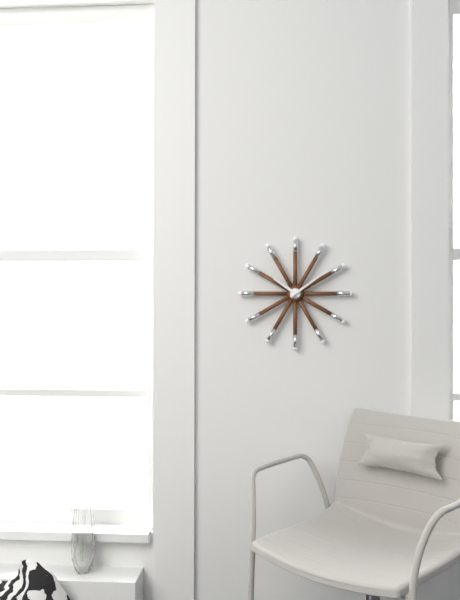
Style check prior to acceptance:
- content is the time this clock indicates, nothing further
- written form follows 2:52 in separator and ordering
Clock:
10:09
